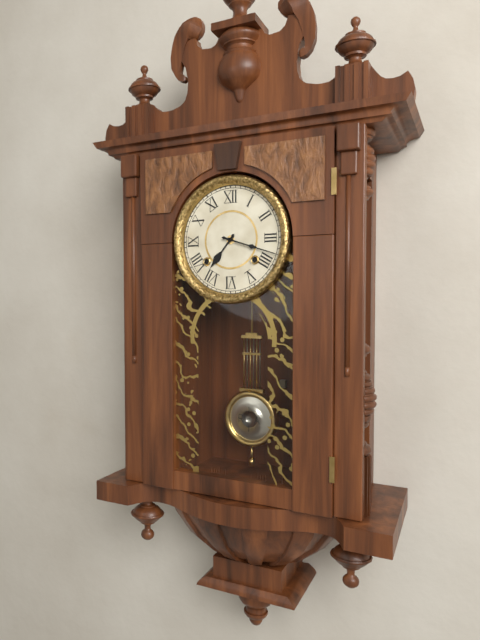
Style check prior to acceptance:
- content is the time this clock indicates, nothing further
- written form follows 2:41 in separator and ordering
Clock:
7:18
